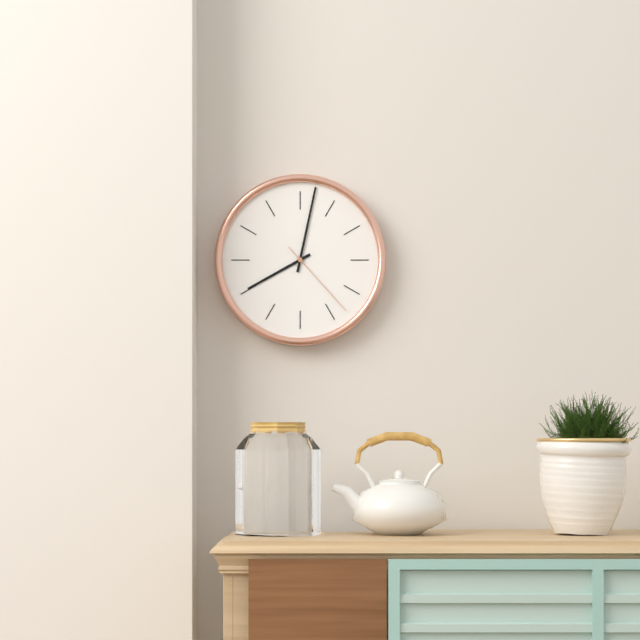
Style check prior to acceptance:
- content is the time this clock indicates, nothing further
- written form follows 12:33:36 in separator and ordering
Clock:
8:02:23
